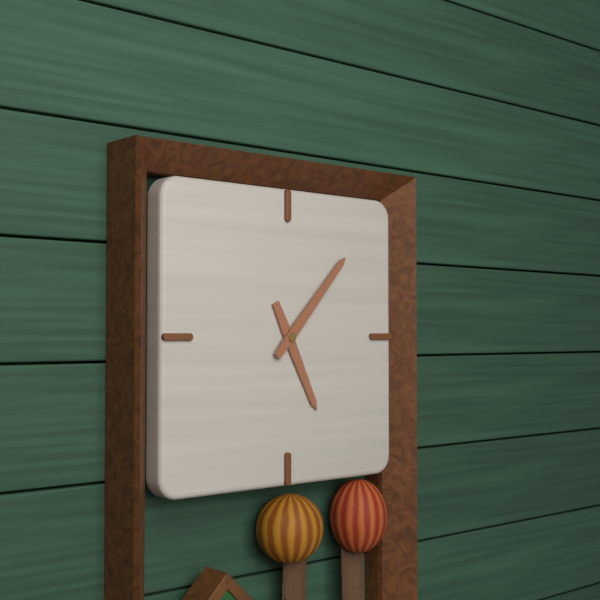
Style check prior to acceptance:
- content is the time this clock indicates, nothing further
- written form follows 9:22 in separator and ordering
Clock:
5:07
